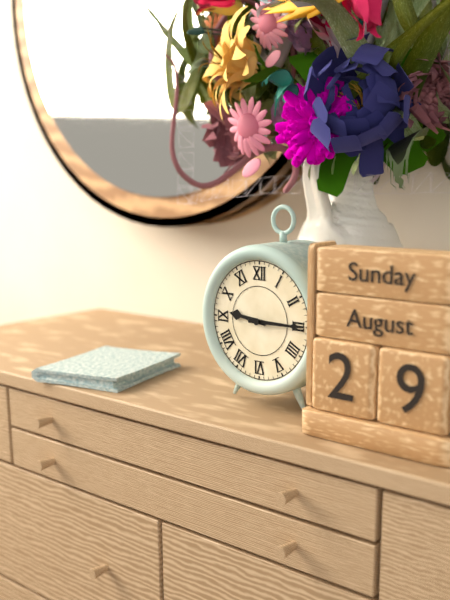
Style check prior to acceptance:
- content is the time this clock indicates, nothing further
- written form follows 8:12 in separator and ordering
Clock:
9:15
